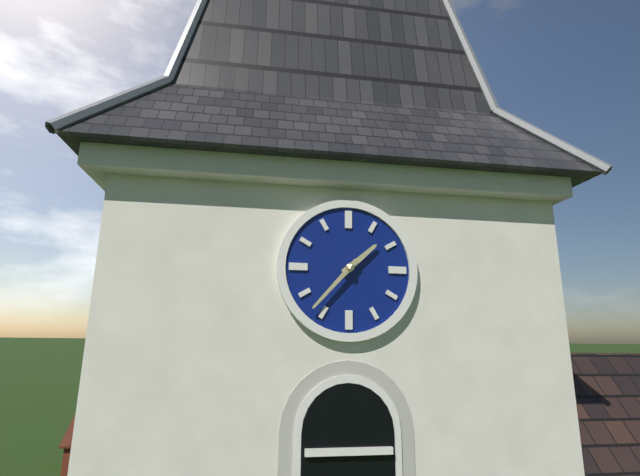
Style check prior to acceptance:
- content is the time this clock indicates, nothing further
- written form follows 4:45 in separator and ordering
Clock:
1:37
